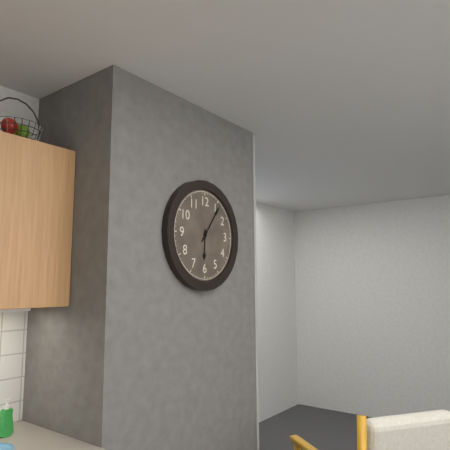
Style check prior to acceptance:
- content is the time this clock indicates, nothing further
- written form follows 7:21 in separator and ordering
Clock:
6:06
